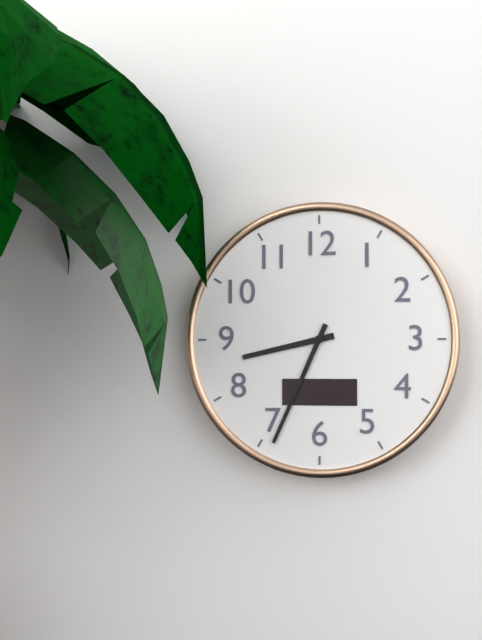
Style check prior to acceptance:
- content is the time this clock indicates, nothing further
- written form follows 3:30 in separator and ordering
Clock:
8:34
